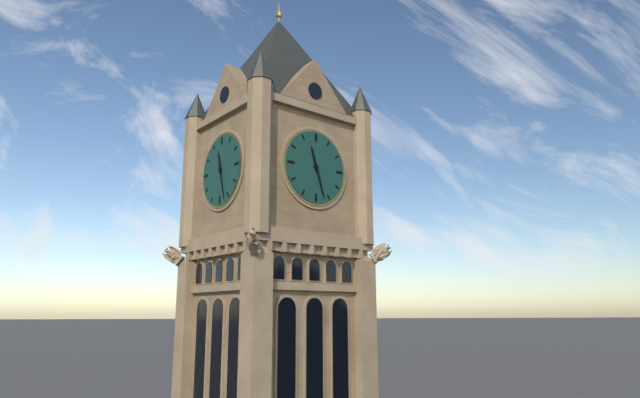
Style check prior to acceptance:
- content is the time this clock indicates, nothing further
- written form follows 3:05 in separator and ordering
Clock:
11:27
